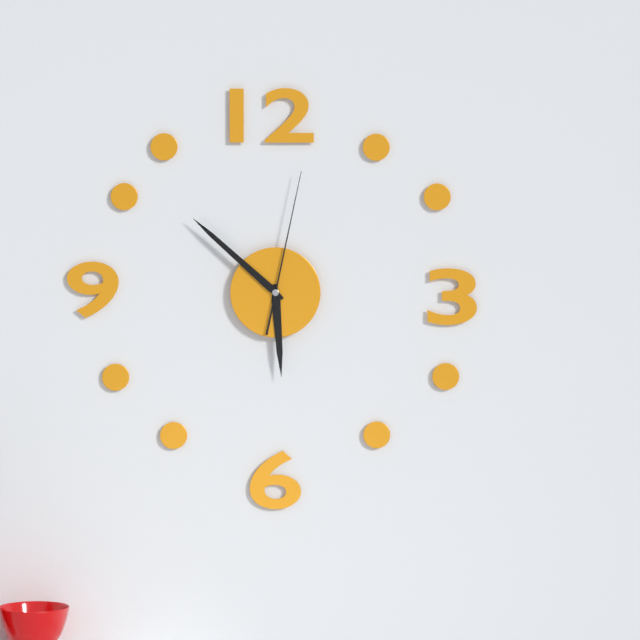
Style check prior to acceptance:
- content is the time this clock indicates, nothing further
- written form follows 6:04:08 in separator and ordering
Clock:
5:52:02
